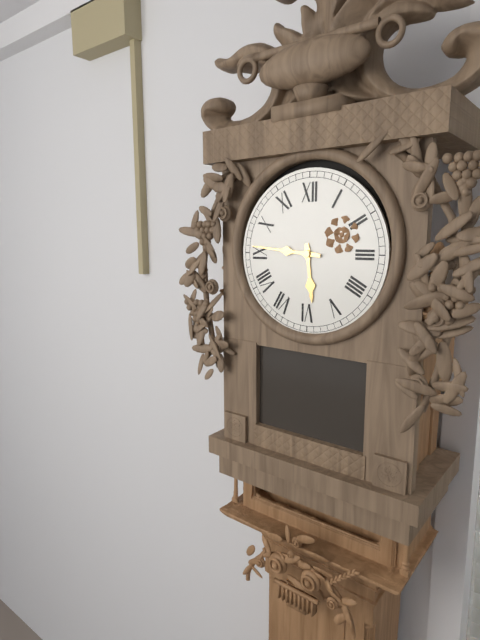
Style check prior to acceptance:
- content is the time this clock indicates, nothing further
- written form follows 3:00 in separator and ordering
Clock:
5:46
